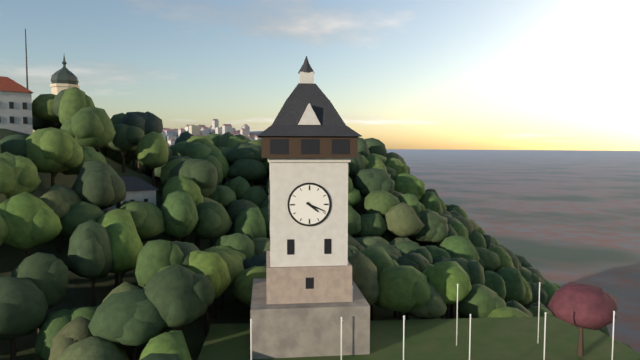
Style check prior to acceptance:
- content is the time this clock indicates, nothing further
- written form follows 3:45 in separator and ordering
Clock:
4:19
